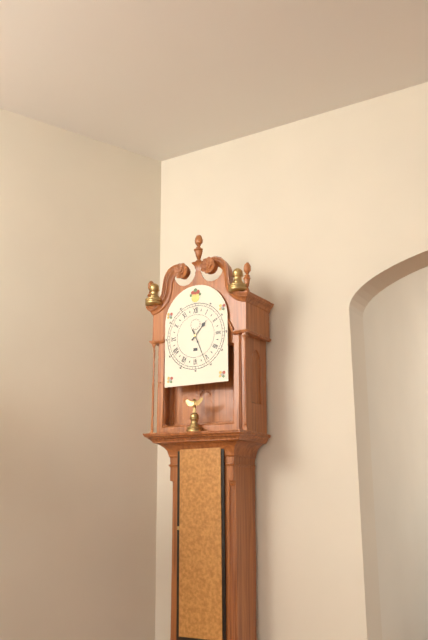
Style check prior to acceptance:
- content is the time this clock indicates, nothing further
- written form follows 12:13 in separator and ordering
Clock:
1:26
